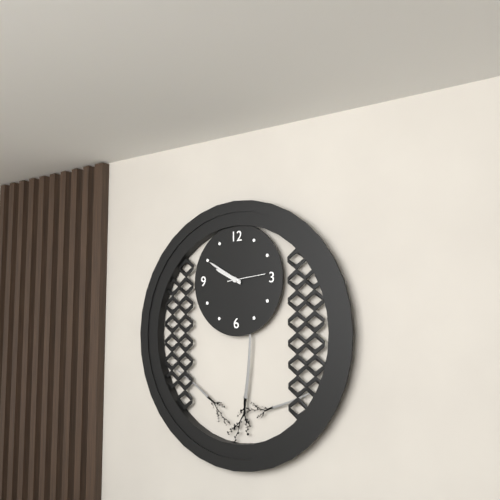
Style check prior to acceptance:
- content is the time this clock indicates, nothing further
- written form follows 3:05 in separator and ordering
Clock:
9:50
